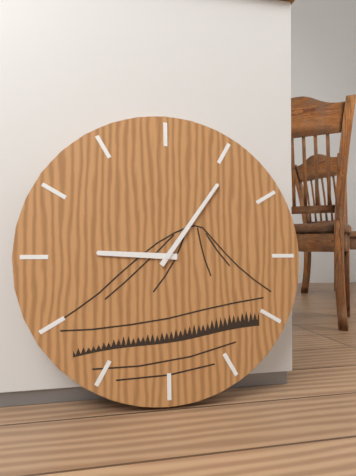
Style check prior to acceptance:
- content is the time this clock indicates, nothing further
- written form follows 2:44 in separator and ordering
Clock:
9:06
